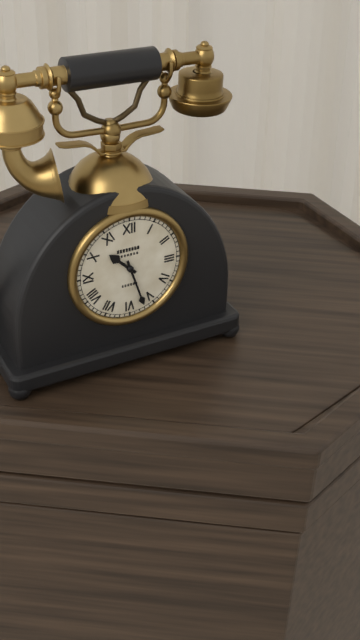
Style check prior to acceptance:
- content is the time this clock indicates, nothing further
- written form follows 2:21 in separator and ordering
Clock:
10:27
